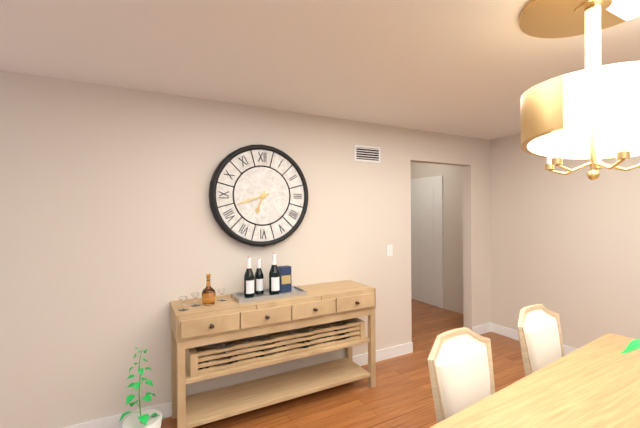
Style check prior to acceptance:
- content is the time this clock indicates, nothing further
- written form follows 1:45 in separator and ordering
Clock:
6:42
